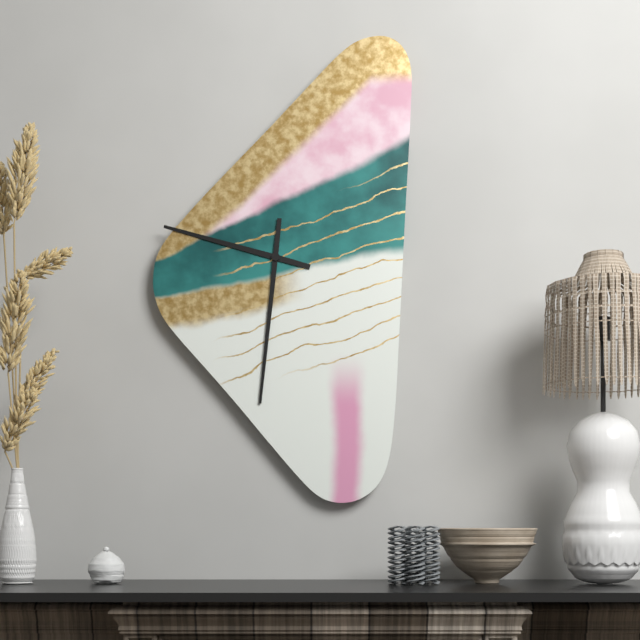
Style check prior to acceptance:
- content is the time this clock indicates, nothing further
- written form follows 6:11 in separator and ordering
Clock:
9:31
